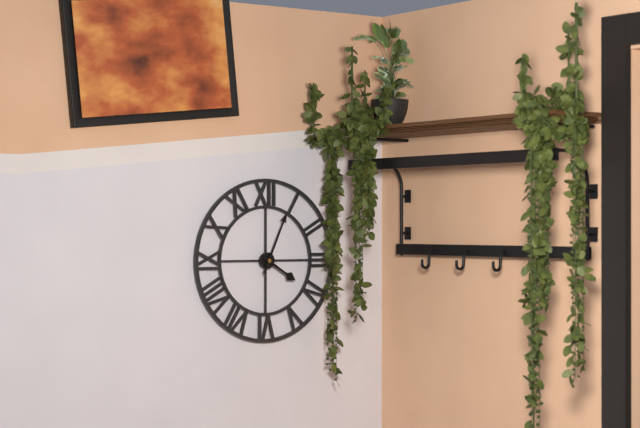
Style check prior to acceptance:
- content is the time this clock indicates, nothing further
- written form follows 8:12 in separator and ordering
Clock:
4:04
